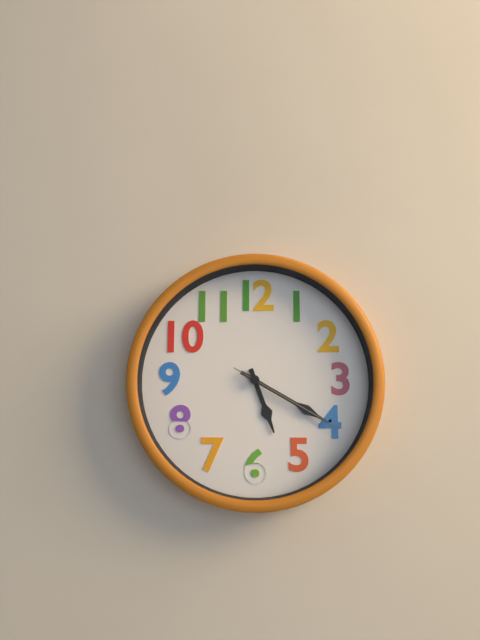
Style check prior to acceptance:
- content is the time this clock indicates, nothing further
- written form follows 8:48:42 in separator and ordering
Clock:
5:20:20
